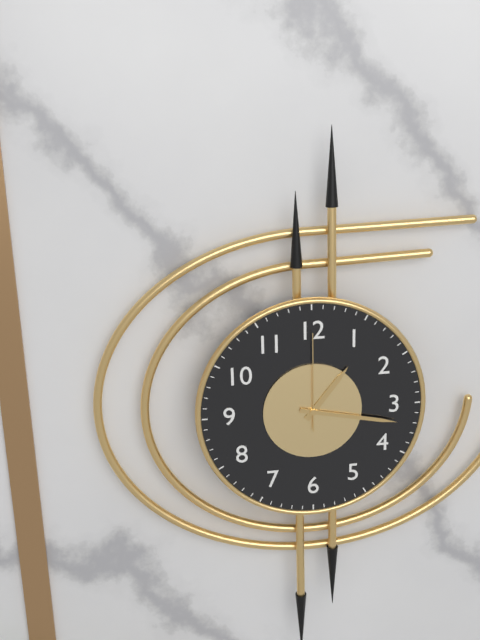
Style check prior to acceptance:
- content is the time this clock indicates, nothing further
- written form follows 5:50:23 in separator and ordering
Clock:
1:17:00
